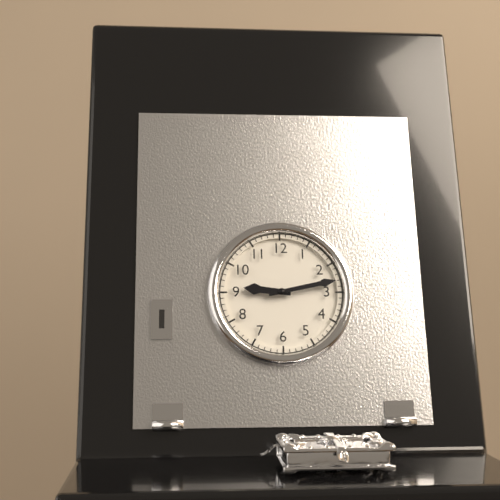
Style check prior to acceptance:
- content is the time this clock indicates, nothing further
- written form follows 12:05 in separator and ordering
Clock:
9:13
